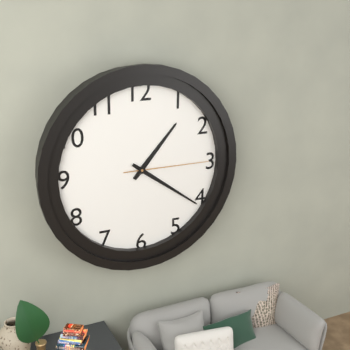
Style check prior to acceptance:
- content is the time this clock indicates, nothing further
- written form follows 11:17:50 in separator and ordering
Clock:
1:21:15
